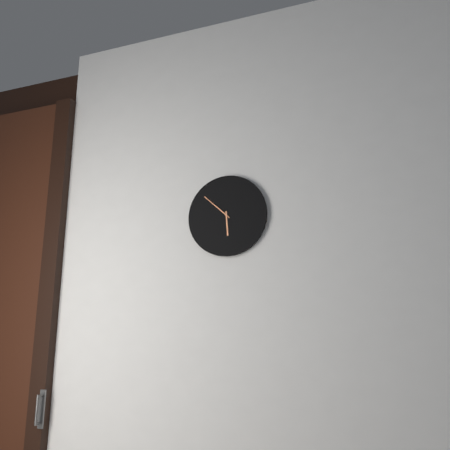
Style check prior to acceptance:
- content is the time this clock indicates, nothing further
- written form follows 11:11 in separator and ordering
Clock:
5:52
